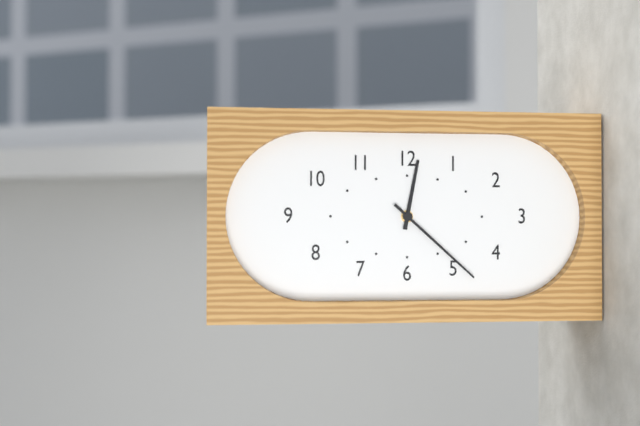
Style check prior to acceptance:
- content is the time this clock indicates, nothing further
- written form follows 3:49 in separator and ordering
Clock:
12:22
